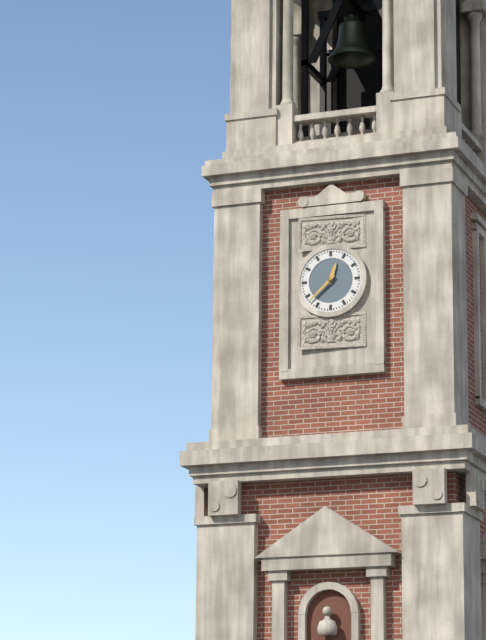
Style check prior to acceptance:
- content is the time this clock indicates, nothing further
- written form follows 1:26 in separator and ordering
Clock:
12:38
